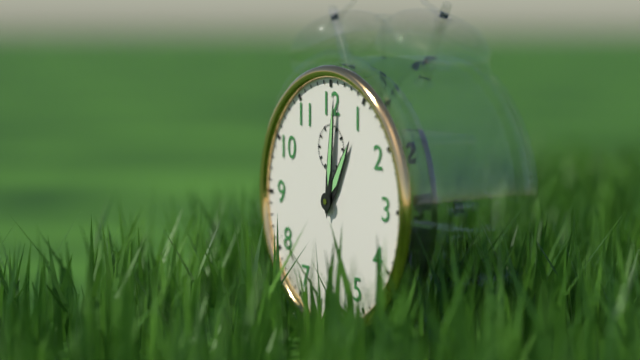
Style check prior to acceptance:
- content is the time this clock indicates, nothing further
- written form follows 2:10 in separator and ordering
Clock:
1:01
